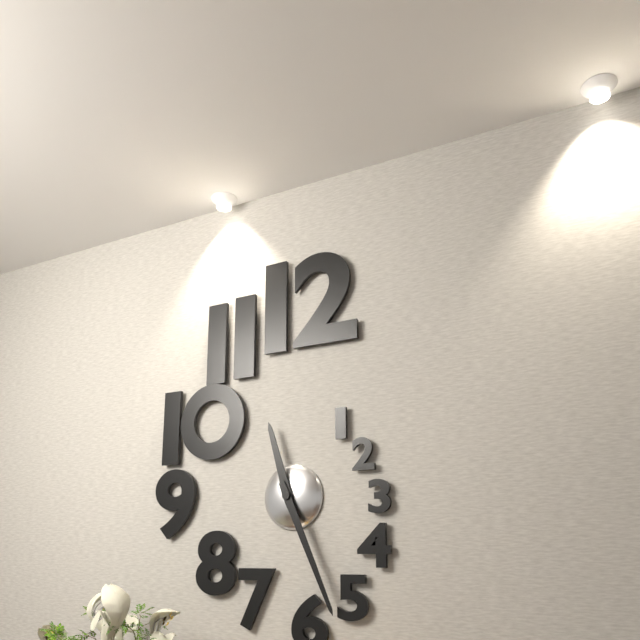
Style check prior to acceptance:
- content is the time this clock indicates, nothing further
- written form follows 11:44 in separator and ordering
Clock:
11:26
